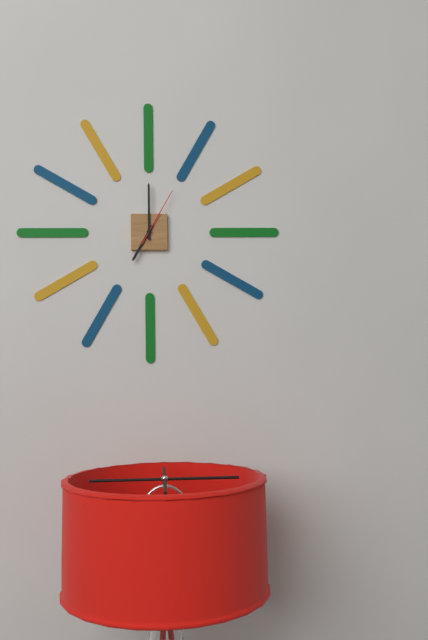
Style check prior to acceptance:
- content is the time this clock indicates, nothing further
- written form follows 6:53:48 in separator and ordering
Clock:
7:00:05
